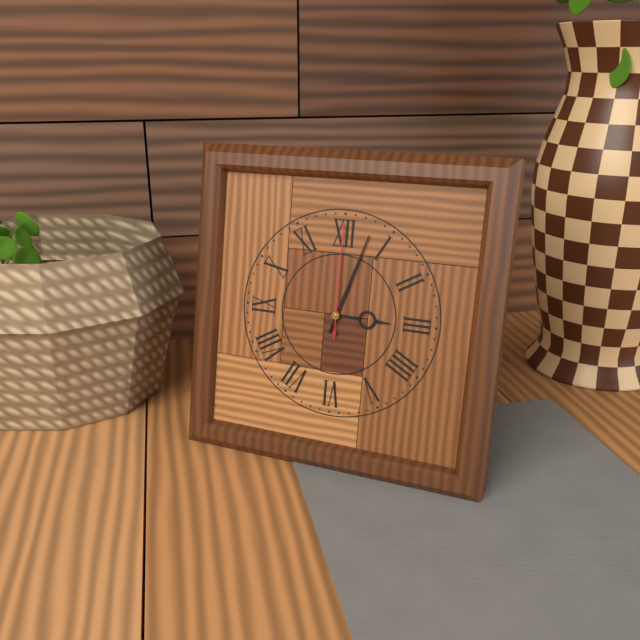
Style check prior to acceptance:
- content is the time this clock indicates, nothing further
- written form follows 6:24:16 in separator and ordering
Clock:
3:03:00
